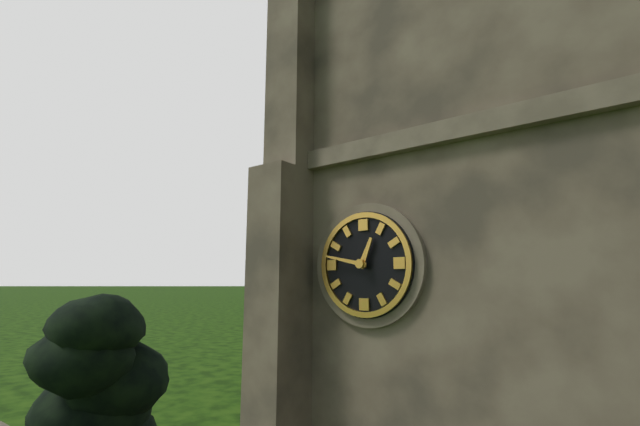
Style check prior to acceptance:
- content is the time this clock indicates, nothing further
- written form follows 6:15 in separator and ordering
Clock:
12:47
